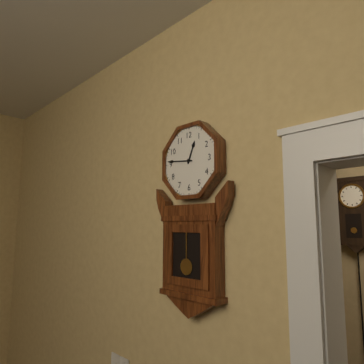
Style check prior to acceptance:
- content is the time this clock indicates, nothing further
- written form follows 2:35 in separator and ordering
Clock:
12:46
